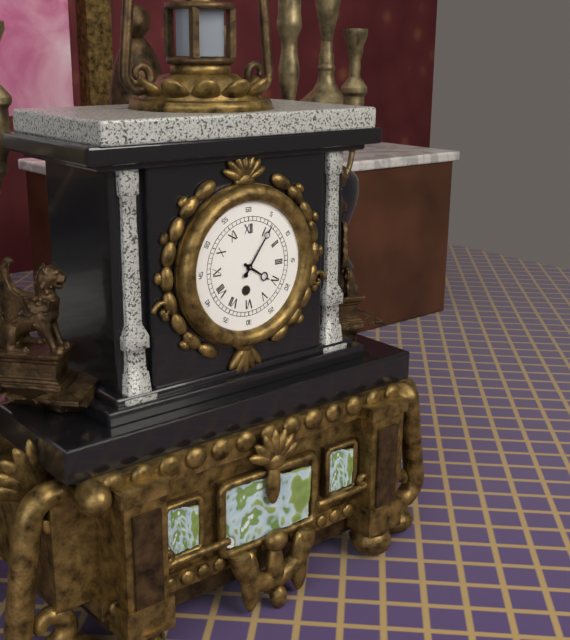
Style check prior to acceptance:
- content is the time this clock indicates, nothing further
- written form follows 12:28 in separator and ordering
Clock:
4:06
